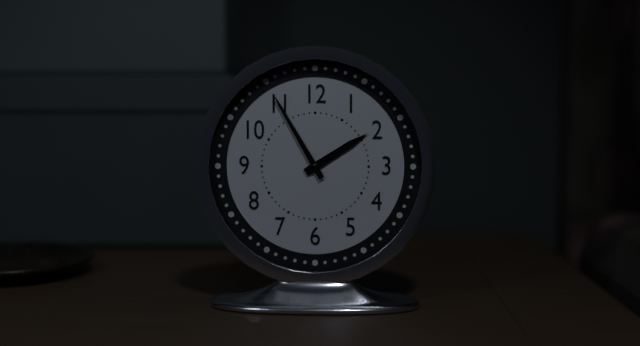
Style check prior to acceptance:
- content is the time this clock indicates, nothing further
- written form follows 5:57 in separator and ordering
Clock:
1:55
